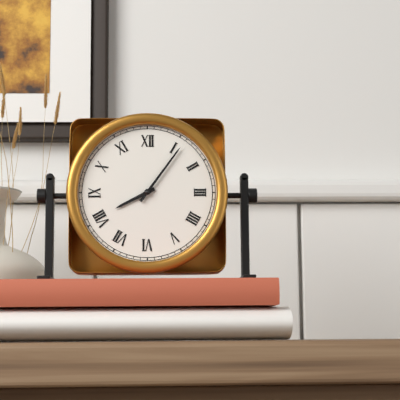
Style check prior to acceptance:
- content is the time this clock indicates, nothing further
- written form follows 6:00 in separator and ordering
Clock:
8:06
